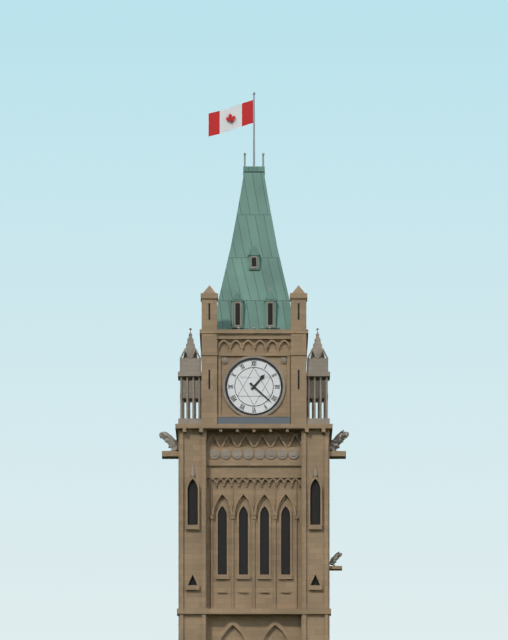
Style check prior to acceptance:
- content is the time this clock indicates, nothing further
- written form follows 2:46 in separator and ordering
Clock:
1:22
